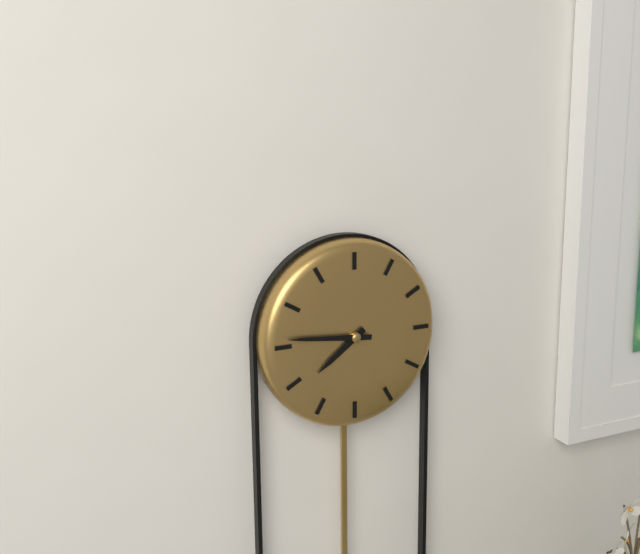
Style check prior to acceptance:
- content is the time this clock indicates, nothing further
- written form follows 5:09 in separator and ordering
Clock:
7:46
